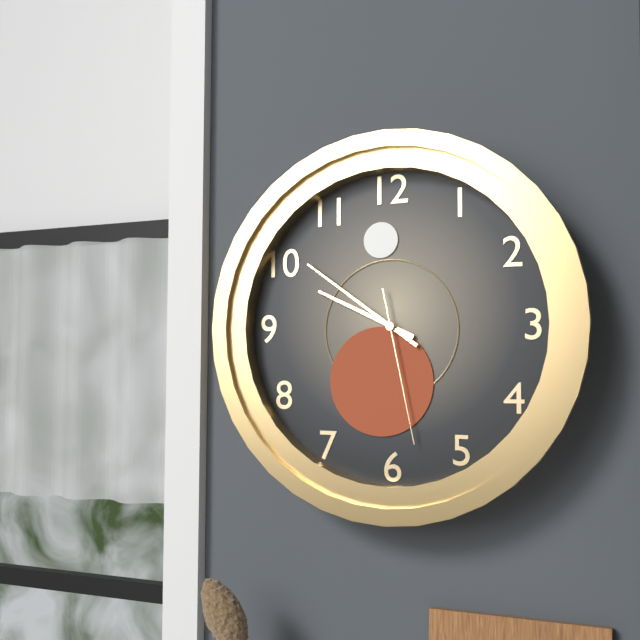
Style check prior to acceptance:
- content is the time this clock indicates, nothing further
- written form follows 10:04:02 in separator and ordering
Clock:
9:51:28
